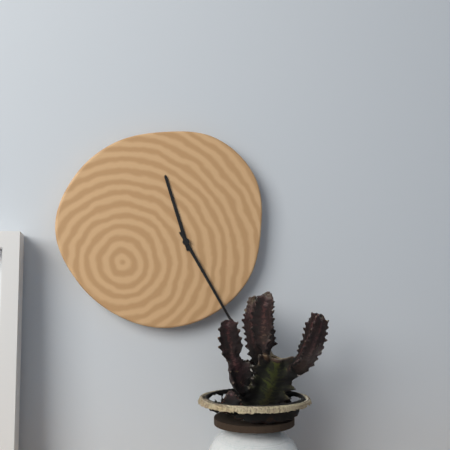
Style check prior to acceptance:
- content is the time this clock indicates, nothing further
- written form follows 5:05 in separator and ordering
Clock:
11:25
